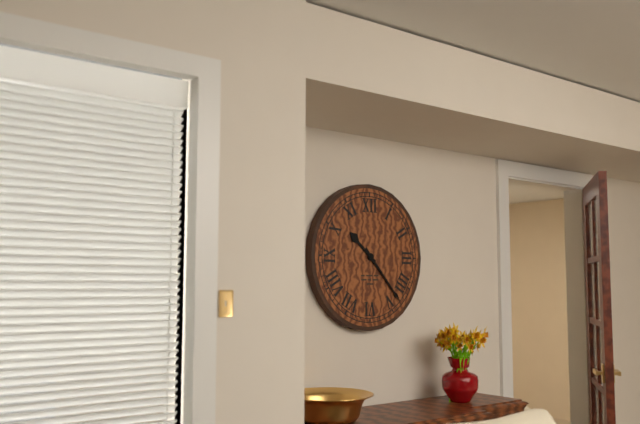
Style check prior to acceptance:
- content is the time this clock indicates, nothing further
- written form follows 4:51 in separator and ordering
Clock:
10:23
